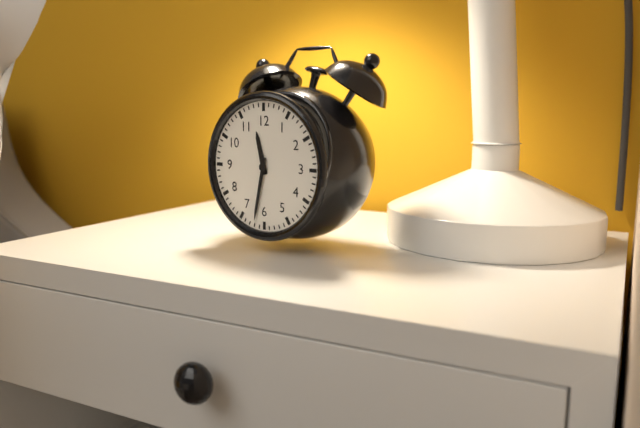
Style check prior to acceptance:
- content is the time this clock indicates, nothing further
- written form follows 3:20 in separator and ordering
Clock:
11:32
